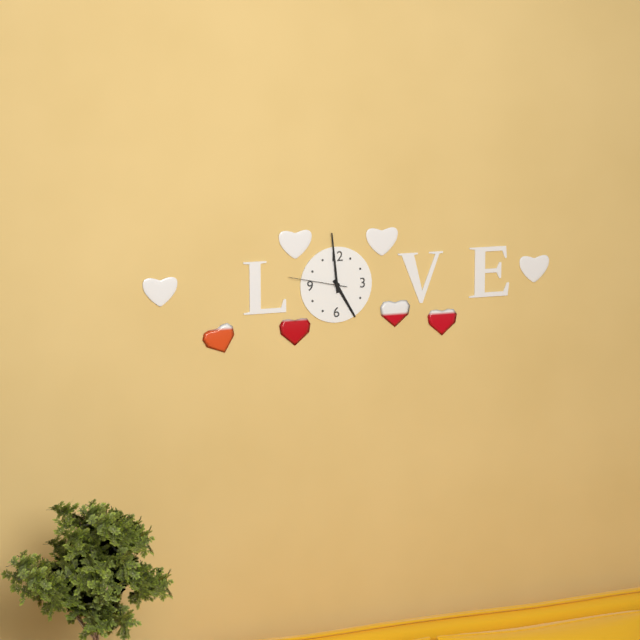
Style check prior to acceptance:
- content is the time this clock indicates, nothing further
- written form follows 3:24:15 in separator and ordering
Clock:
4:59:47
